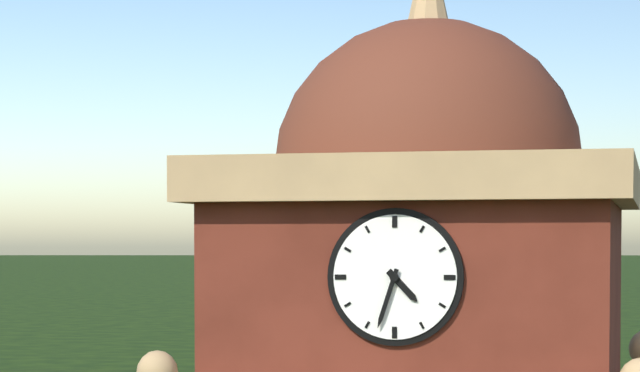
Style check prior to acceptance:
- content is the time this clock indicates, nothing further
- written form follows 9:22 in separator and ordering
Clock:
4:33
